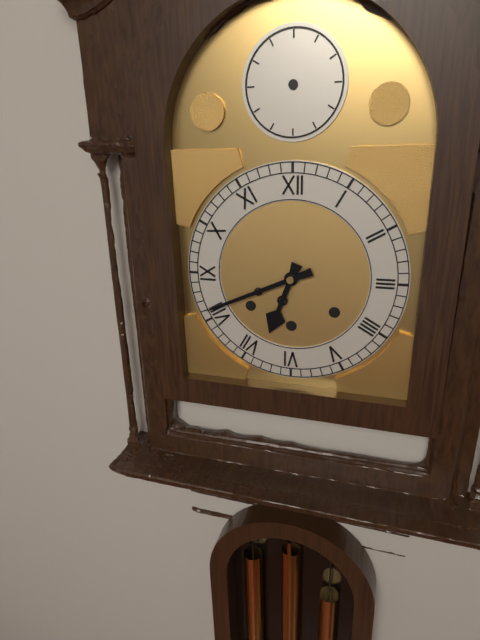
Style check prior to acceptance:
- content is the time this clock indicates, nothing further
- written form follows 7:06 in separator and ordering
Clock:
6:41
